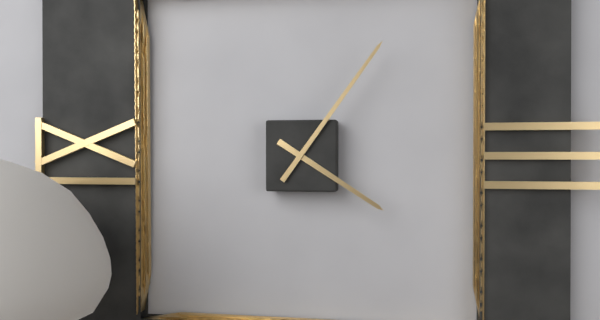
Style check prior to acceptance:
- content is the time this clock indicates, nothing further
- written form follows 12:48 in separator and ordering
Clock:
4:06
